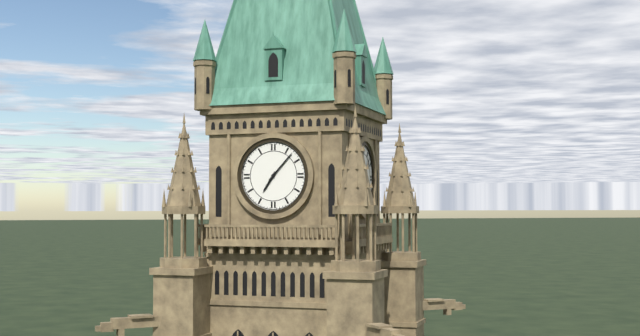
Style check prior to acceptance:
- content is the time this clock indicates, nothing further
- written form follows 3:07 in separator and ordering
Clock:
7:07
